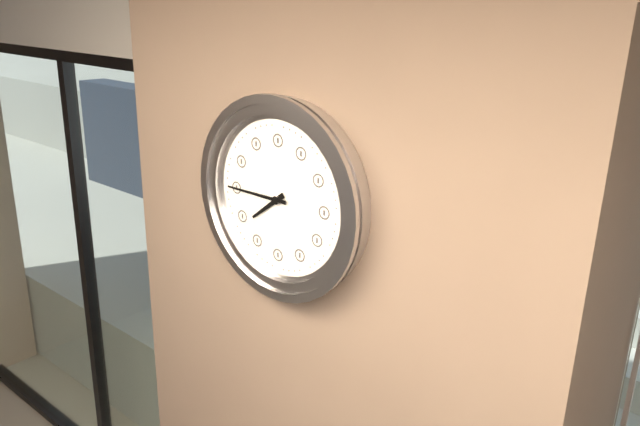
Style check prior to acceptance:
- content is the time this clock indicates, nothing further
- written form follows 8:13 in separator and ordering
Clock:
7:45
